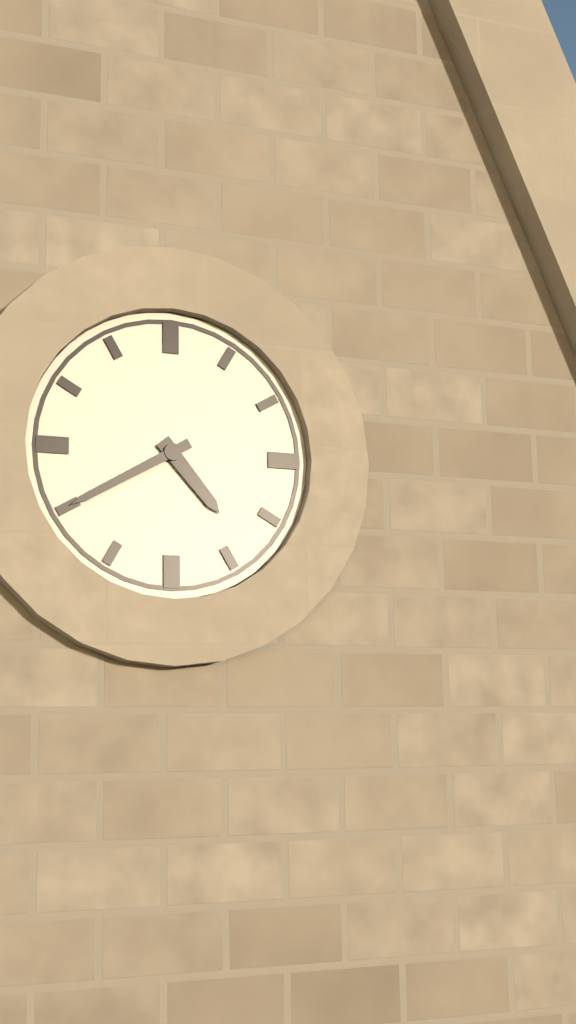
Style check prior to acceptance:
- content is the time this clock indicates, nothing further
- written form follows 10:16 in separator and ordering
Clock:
4:40
